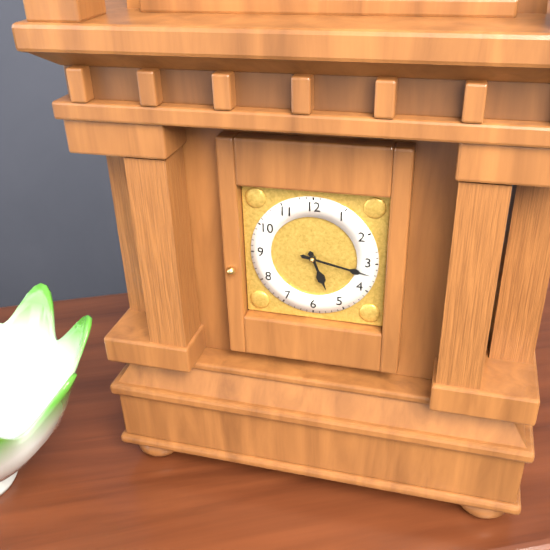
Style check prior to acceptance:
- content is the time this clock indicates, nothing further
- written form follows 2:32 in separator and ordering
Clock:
5:17
